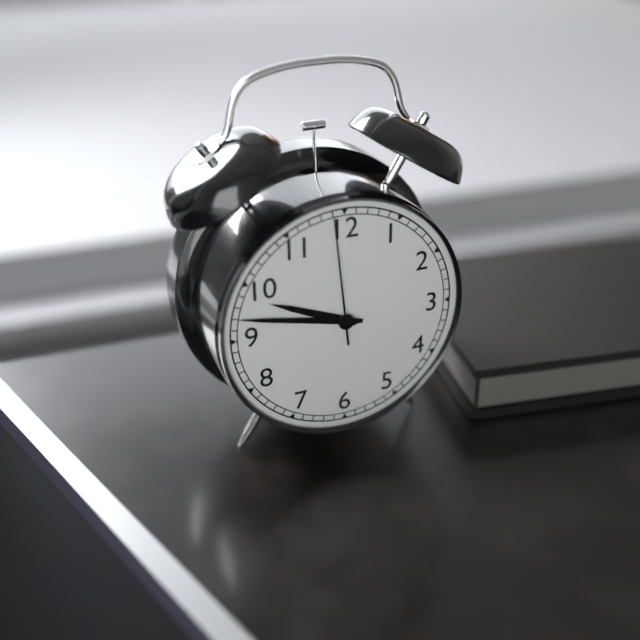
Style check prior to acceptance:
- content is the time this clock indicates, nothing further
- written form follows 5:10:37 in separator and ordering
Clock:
9:47:59
